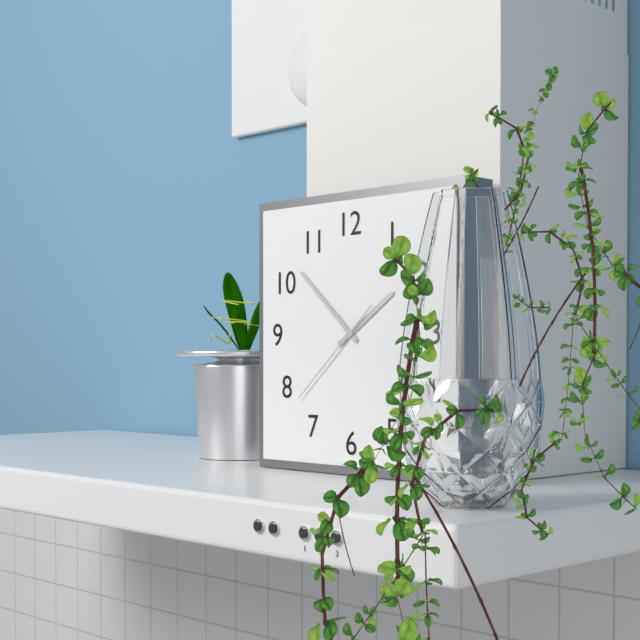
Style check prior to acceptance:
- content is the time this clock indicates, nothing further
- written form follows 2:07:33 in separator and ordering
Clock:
1:52:38
